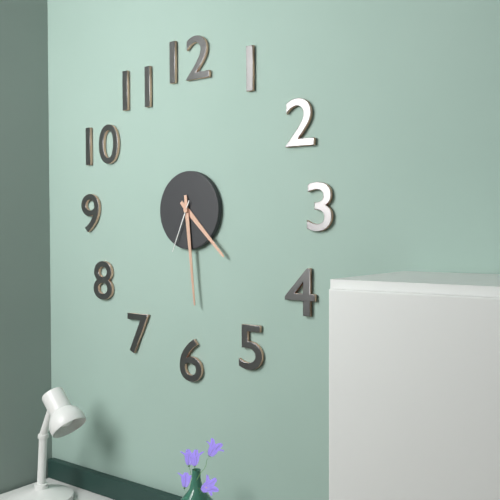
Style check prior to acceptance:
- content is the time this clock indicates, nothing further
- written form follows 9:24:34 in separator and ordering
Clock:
4:29:34
